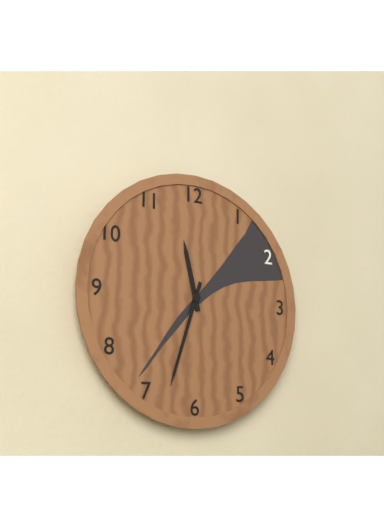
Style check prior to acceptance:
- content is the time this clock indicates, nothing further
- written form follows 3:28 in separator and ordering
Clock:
11:33
